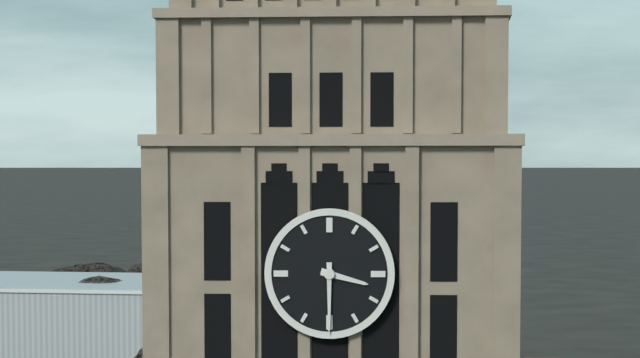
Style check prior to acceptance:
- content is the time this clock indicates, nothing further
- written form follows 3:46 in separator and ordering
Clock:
3:30
